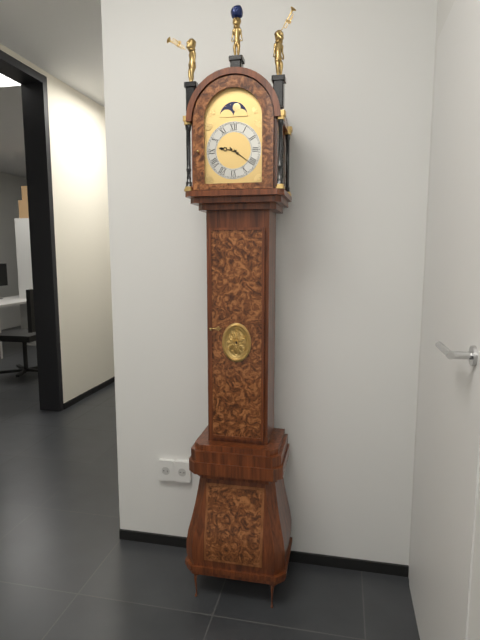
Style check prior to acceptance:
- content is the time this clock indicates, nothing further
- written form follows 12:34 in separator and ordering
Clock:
9:21
